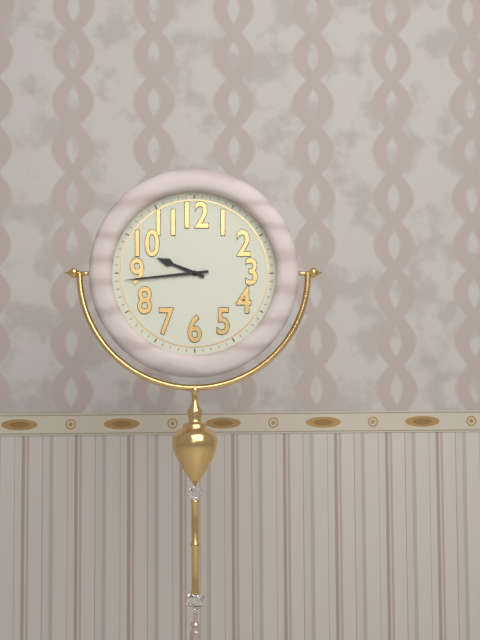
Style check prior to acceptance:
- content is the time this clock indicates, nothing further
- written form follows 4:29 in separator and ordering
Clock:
9:44
